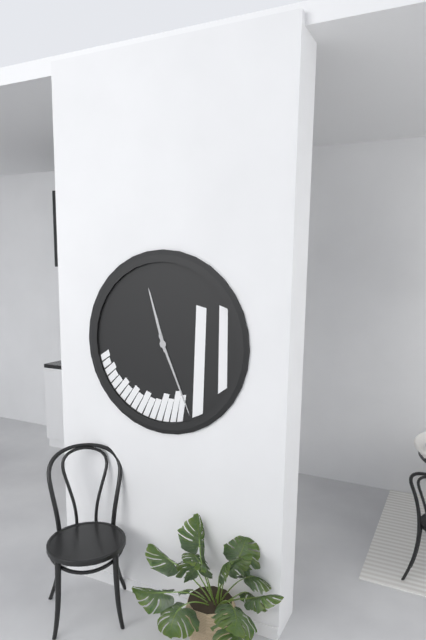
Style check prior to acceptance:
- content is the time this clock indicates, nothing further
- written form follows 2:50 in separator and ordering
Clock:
11:26
